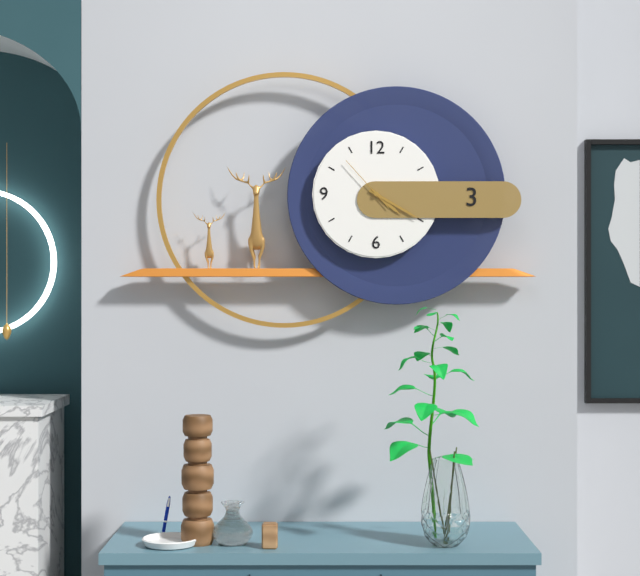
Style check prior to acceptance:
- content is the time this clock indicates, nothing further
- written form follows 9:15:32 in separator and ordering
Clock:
4:20:53
